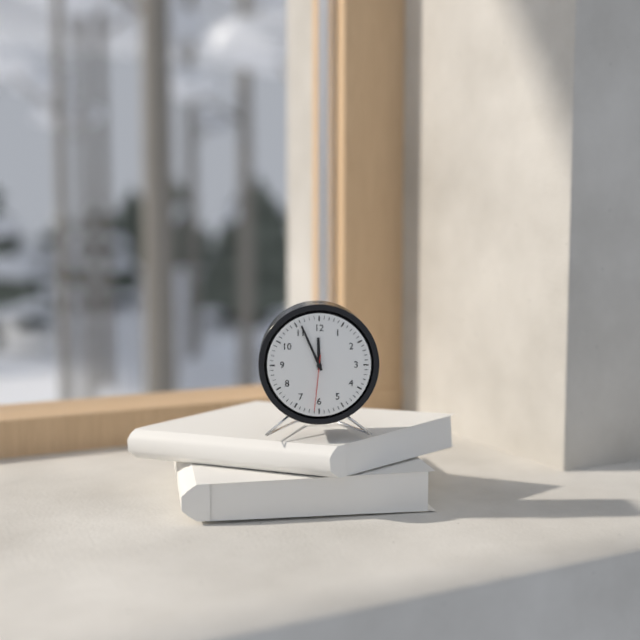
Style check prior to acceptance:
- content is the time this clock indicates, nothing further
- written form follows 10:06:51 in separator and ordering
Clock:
11:56:31
